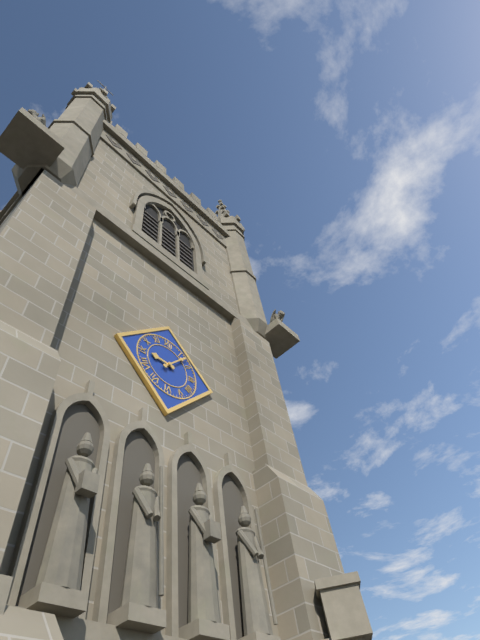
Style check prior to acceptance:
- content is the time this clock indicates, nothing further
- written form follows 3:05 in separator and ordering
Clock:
9:07
